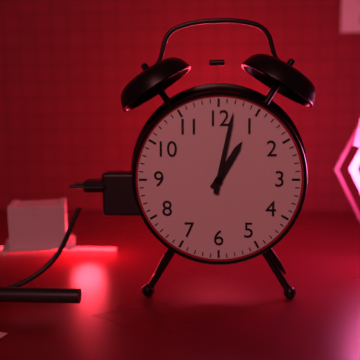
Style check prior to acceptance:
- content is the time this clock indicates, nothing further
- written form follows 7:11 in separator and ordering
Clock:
1:02
